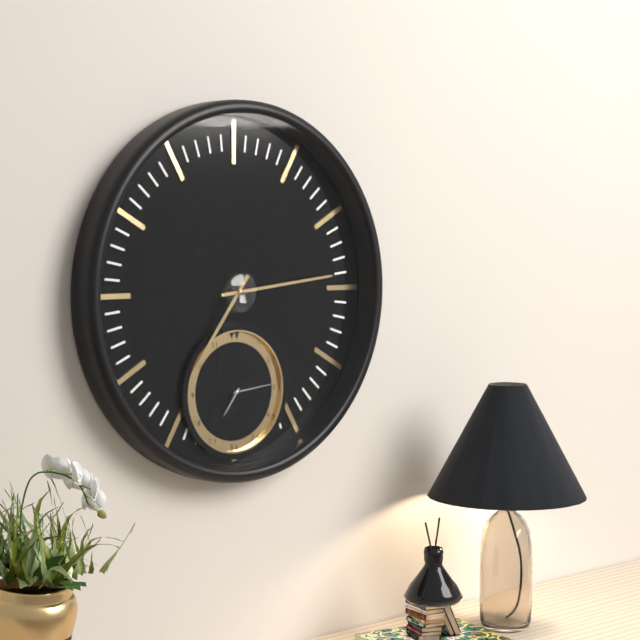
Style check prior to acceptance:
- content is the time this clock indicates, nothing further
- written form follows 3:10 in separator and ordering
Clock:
7:14
